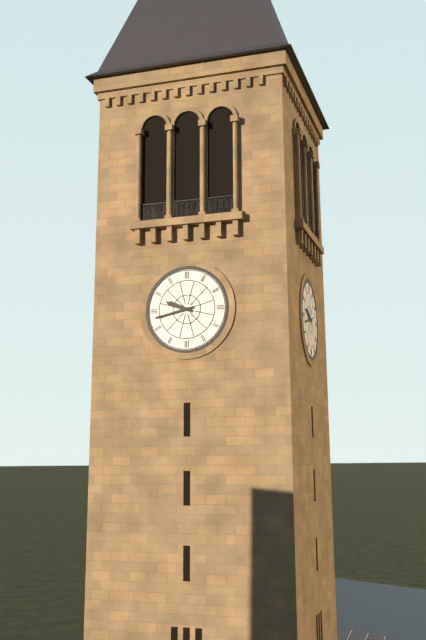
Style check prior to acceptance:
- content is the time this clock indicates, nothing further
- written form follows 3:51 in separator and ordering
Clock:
9:43
